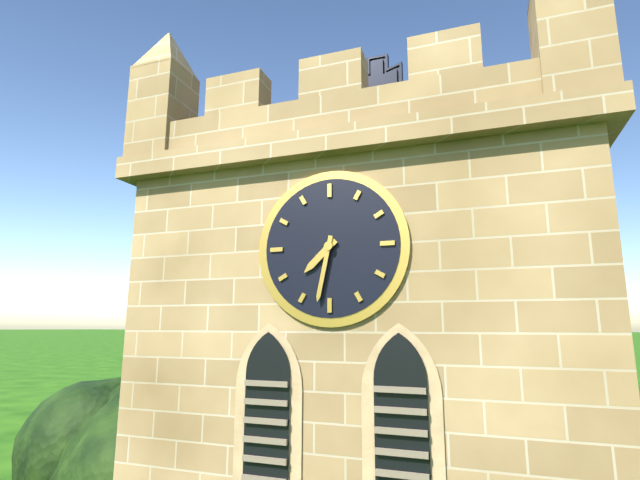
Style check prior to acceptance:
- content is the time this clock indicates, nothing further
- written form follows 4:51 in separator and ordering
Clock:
7:32
